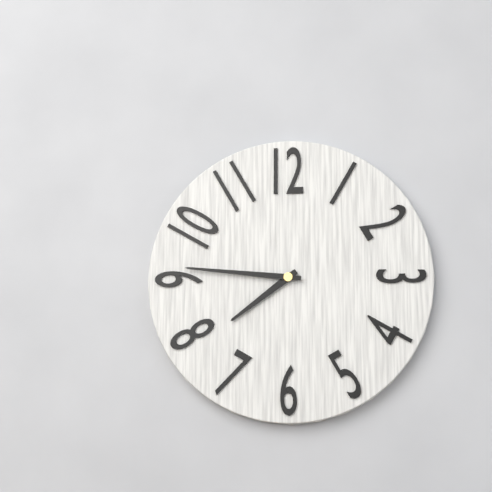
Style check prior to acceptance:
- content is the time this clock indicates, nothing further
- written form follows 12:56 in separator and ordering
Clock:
7:46
